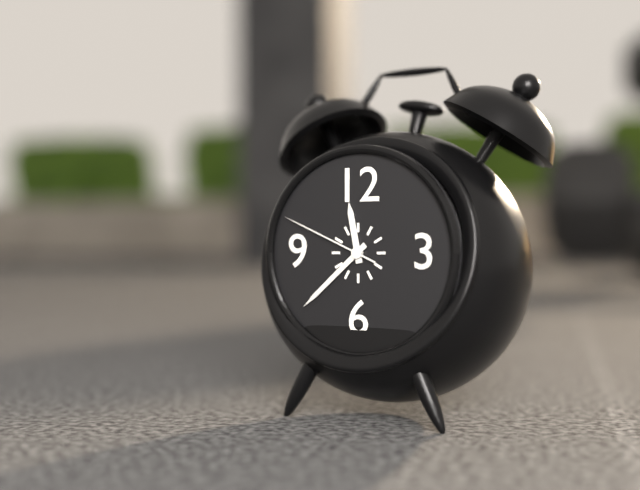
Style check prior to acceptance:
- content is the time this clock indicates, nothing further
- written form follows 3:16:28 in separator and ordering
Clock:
11:38:49
